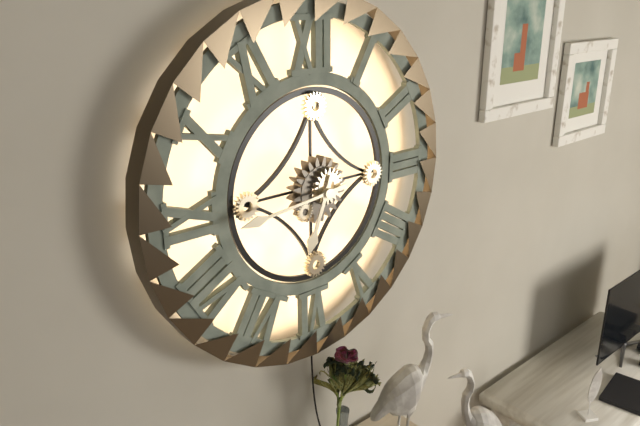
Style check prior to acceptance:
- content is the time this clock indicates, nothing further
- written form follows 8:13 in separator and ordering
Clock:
6:44
